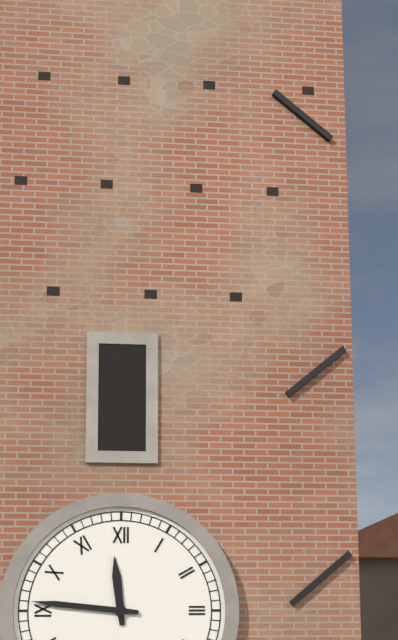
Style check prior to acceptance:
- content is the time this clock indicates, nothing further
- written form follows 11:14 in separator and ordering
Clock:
11:46
